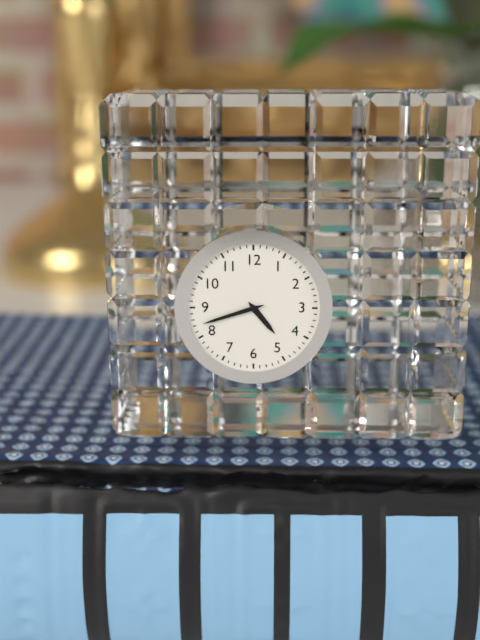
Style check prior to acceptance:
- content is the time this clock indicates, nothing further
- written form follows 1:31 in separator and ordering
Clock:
4:42
